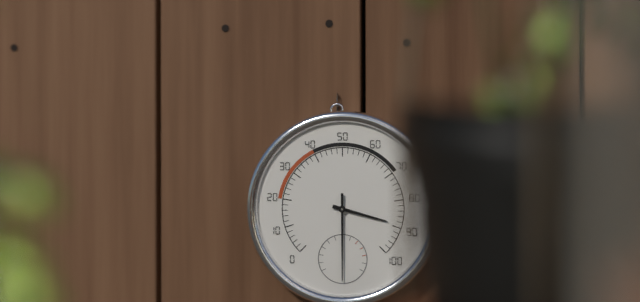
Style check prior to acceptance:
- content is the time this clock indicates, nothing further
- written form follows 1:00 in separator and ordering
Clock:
3:30
